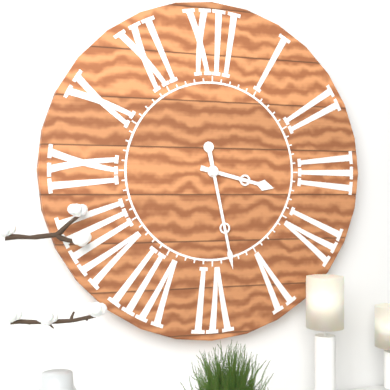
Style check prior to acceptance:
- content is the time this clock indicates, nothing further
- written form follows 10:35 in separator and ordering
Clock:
3:28
